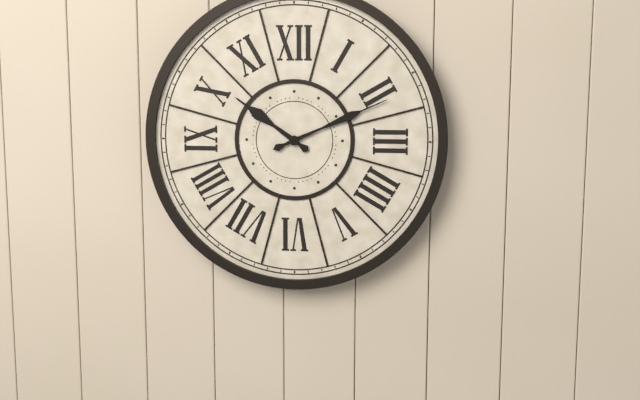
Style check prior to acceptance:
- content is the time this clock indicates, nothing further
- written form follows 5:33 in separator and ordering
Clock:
10:11
